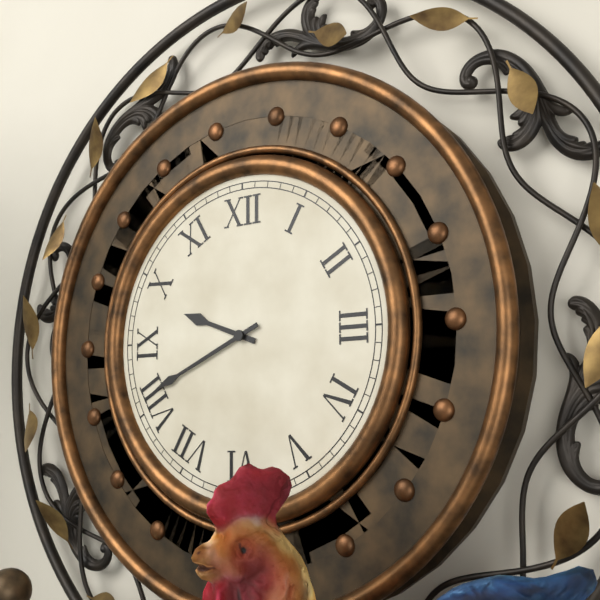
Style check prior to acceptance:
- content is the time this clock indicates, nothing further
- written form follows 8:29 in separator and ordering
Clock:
9:41
